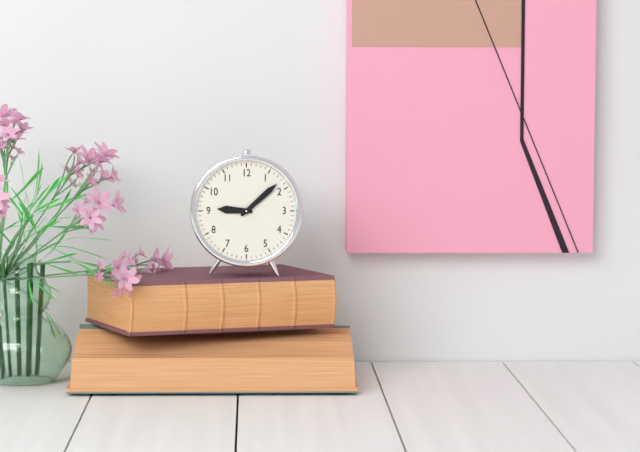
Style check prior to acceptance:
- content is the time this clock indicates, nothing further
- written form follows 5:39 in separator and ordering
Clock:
9:08
